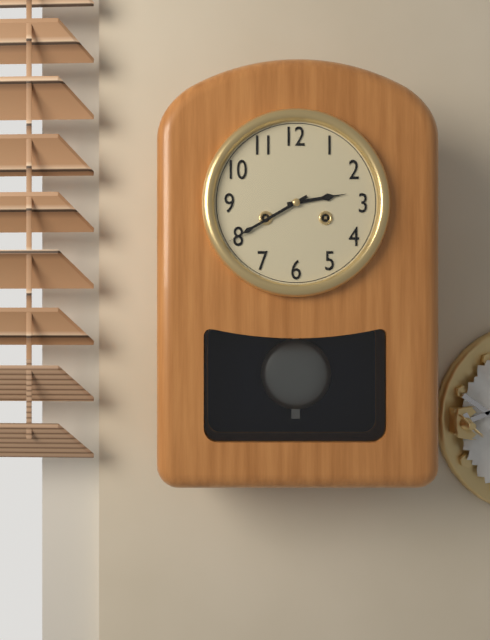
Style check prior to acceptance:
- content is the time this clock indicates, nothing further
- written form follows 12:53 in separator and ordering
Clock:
2:40
